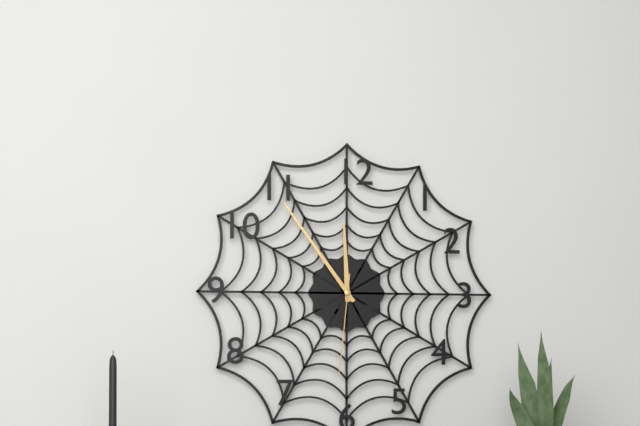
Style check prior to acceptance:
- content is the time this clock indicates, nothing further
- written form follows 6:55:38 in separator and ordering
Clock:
11:54:31
